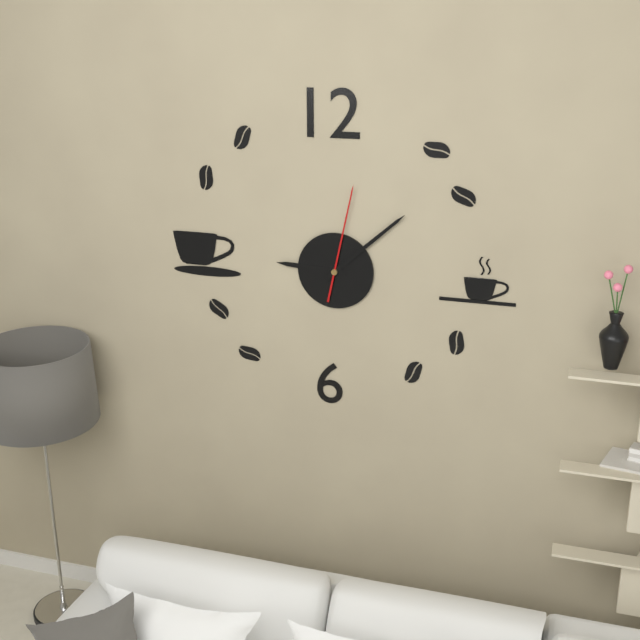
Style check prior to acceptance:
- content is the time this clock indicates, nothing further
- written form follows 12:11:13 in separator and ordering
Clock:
9:08:02
